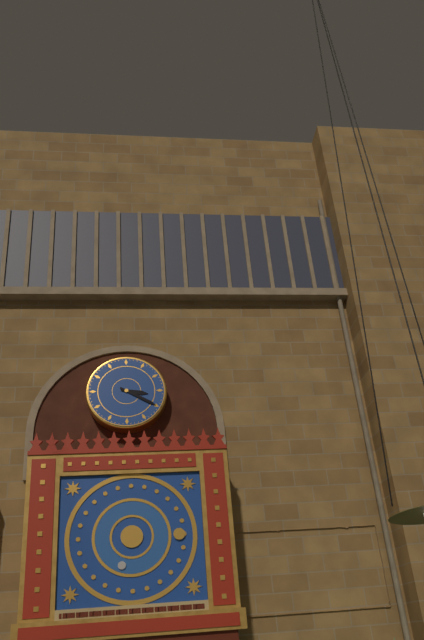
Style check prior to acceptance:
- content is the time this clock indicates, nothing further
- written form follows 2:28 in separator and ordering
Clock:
3:20
